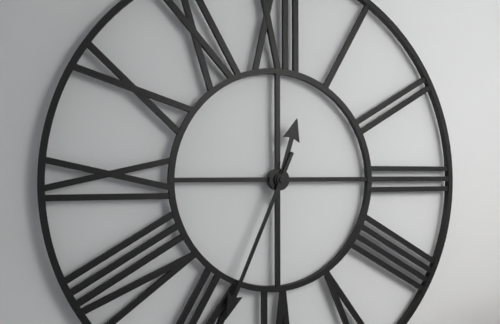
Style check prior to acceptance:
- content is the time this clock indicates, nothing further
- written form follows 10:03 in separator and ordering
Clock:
12:34
